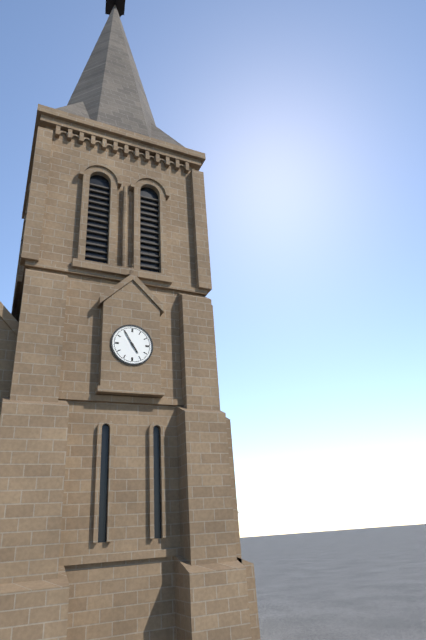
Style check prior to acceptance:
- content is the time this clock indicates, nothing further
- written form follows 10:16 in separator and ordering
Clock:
4:55
